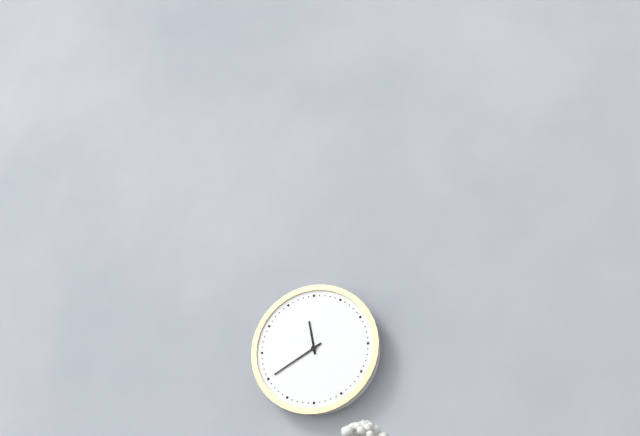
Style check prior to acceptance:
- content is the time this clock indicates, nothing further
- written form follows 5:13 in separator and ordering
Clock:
11:40
